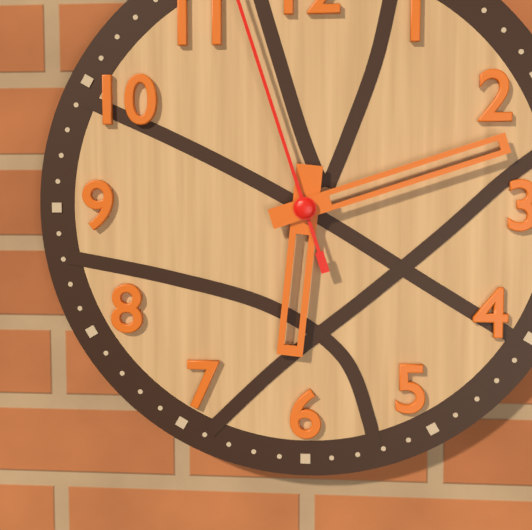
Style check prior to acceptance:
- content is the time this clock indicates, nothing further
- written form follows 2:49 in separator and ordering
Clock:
6:12
